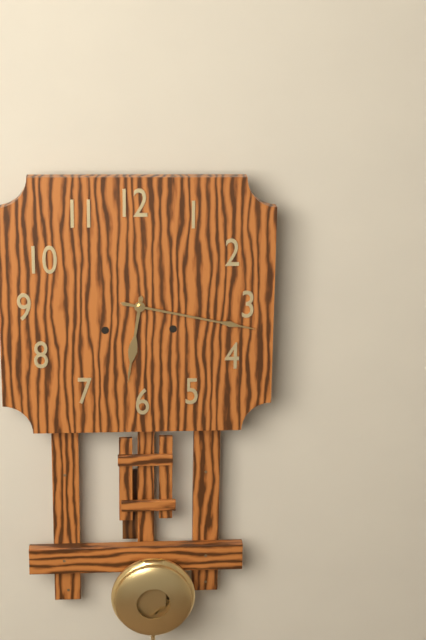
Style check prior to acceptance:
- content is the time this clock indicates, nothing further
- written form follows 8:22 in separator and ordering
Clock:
6:17
